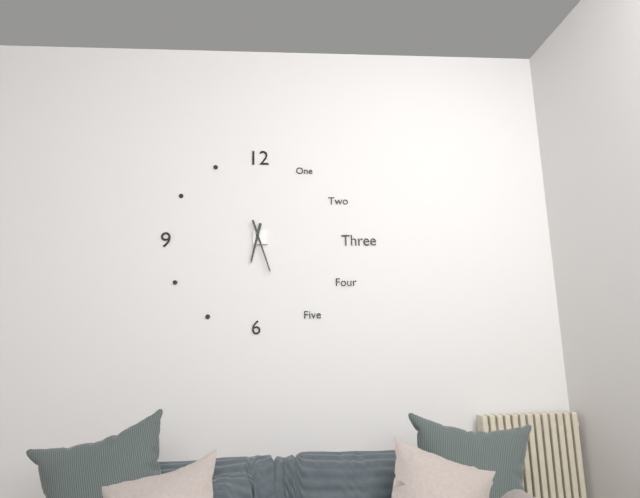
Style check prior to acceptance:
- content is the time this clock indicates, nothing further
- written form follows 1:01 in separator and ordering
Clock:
6:27
